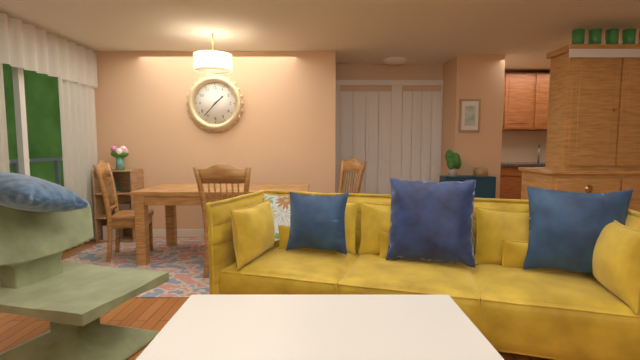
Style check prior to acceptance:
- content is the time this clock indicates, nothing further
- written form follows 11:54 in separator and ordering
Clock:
1:37
